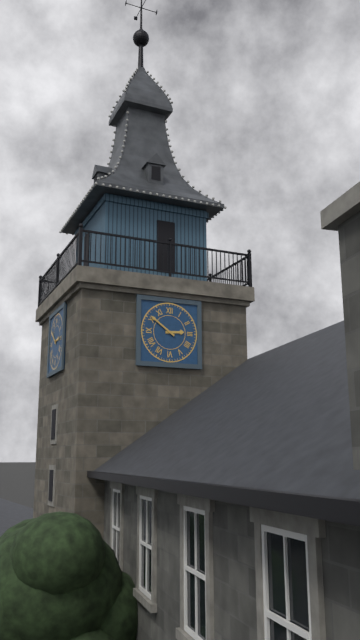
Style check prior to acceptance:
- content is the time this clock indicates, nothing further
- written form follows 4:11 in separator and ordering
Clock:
2:51
